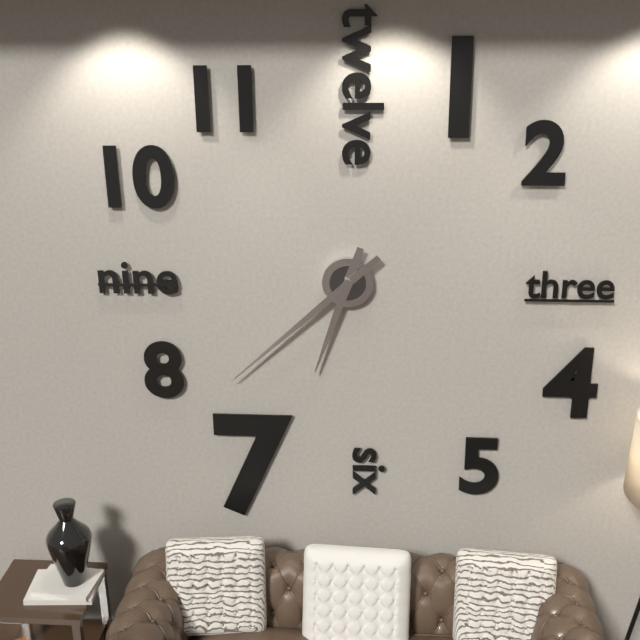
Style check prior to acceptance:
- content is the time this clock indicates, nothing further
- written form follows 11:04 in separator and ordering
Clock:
6:38
